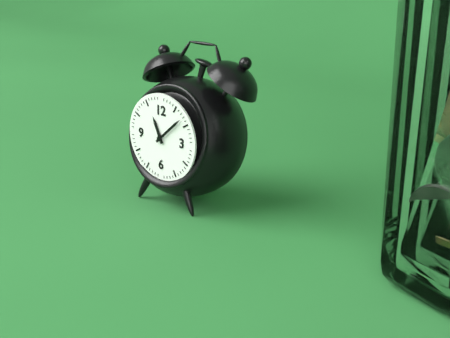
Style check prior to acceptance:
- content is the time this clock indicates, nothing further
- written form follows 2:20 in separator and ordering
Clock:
11:08
